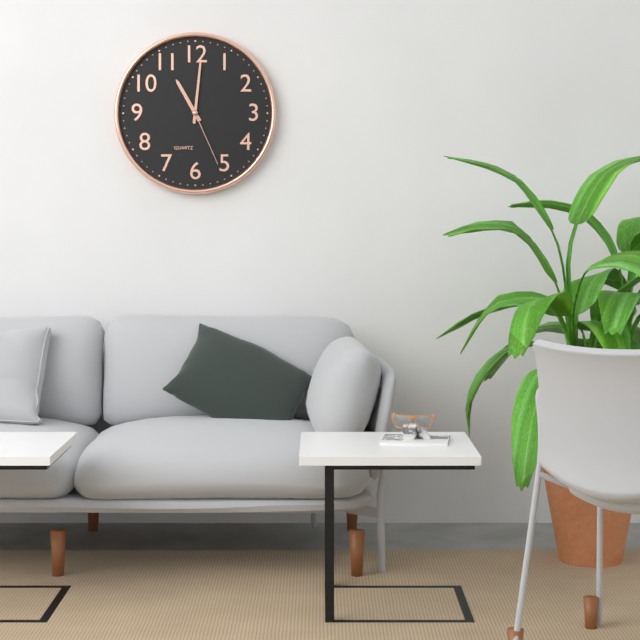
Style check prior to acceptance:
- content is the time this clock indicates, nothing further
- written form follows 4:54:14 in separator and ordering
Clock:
11:01:26
